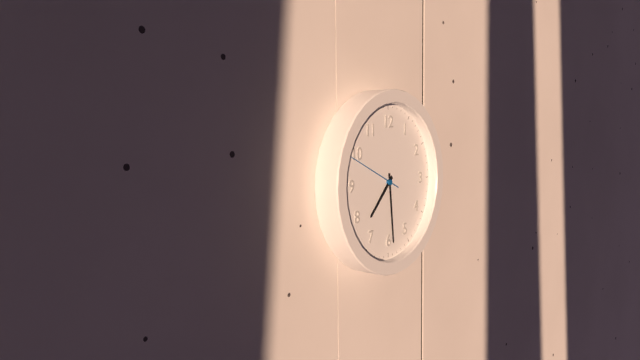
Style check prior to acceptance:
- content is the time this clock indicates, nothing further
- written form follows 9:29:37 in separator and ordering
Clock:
7:29:49
